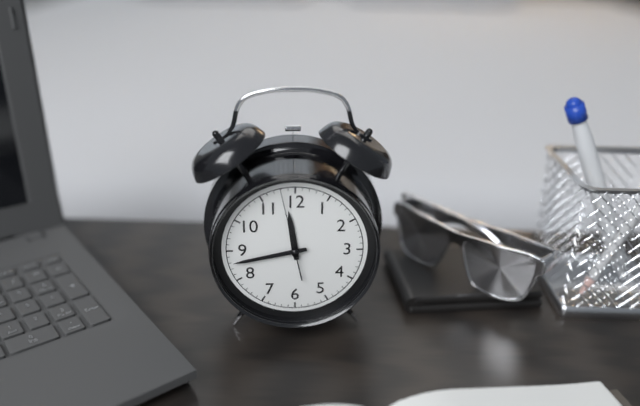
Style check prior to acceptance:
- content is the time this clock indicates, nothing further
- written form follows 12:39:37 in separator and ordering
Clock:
11:43:58
